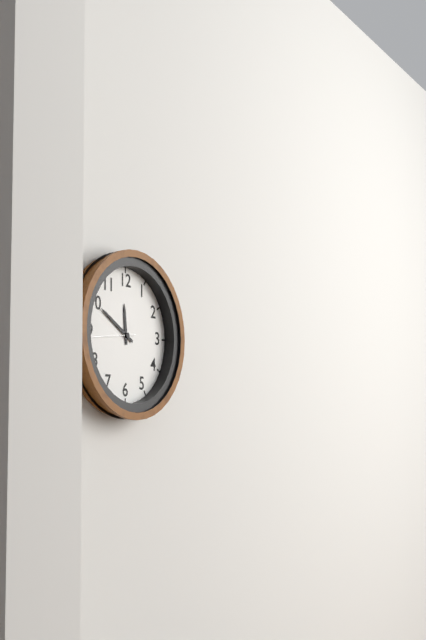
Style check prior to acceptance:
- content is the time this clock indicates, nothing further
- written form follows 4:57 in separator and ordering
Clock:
11:50
